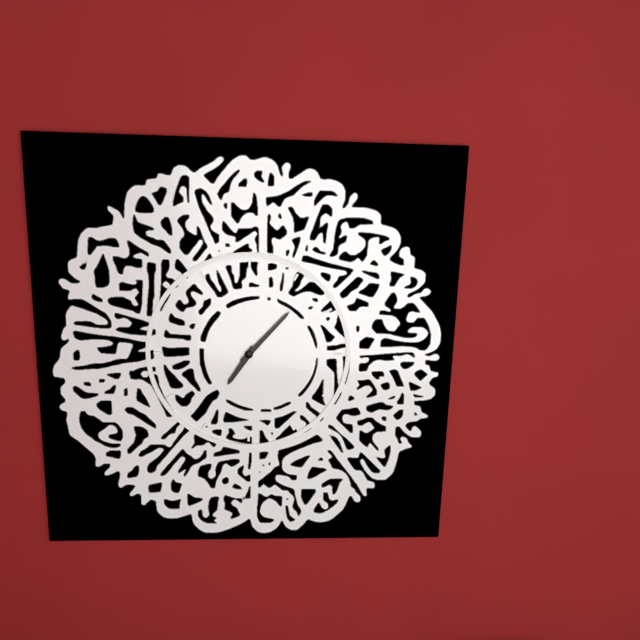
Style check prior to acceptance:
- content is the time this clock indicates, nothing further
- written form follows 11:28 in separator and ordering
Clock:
7:07
